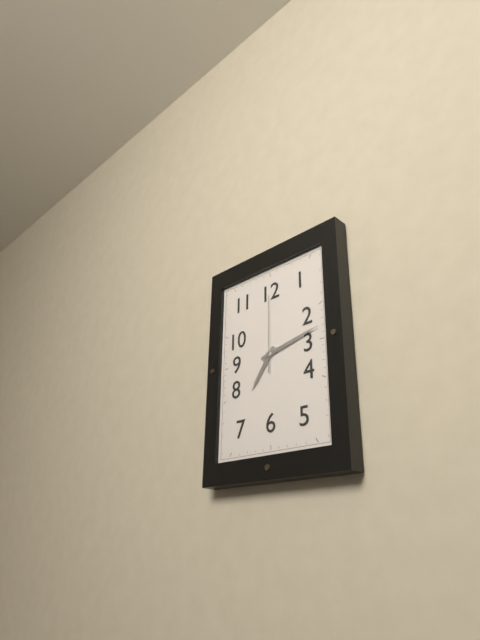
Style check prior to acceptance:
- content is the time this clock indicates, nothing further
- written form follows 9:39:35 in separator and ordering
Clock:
7:13:00
